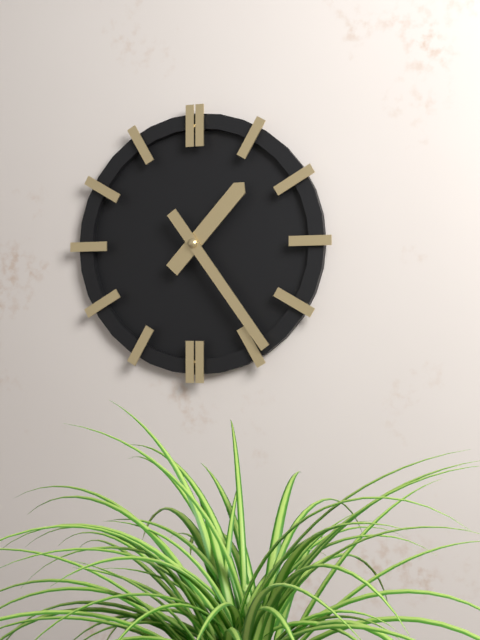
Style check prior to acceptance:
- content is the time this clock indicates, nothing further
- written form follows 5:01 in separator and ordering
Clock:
1:24
